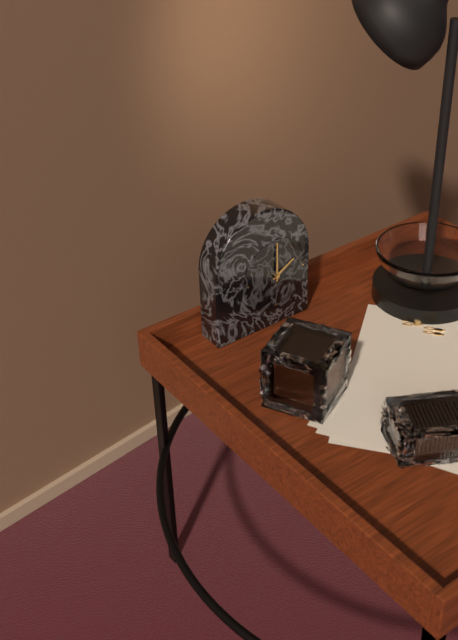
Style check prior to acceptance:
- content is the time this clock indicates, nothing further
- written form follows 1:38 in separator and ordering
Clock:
2:00
